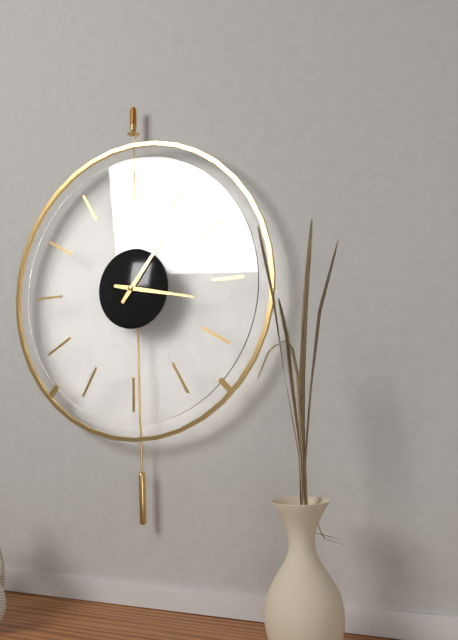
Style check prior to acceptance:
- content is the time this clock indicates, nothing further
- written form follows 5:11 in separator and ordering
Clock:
1:17
